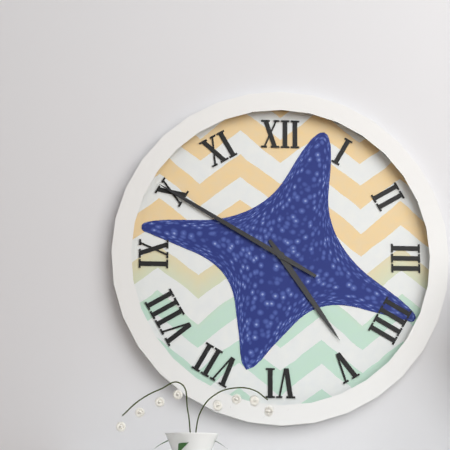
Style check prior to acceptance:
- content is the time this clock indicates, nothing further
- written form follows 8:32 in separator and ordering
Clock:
4:50
